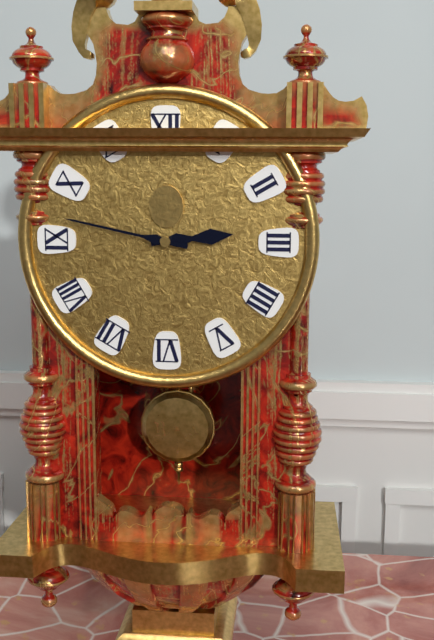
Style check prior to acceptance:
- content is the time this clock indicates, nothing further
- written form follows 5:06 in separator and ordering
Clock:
2:47
